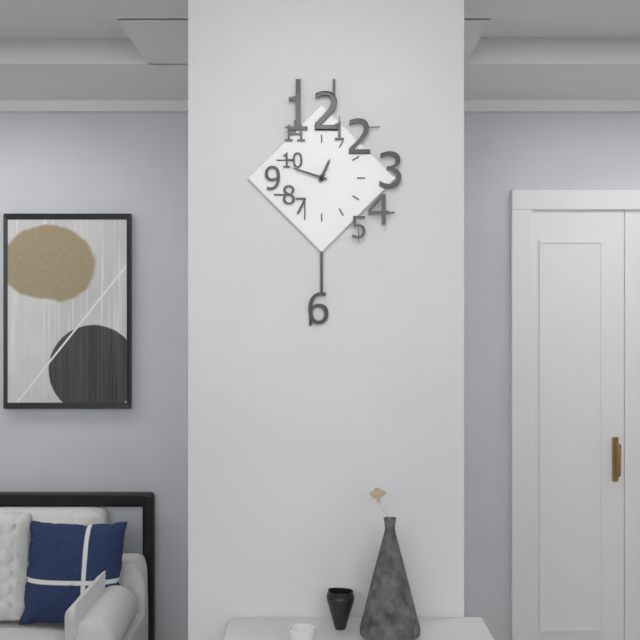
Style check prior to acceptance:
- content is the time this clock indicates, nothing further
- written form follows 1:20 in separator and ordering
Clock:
12:48
